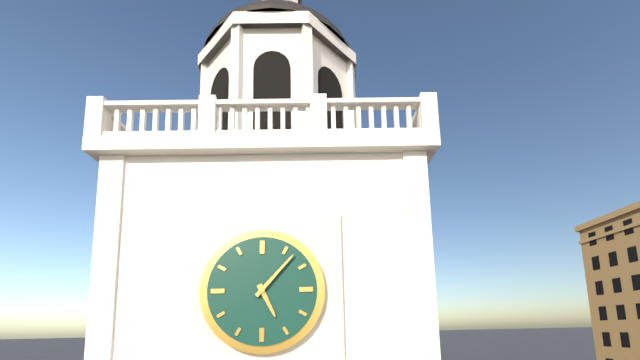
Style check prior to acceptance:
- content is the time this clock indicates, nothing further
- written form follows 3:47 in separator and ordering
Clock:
5:07
